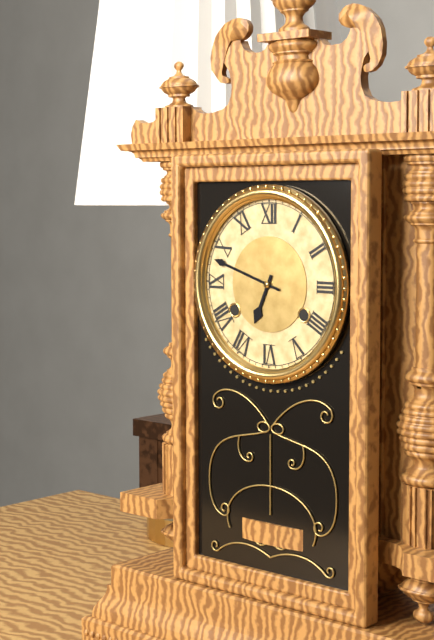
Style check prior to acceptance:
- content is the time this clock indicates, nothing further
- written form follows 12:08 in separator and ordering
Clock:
6:48
